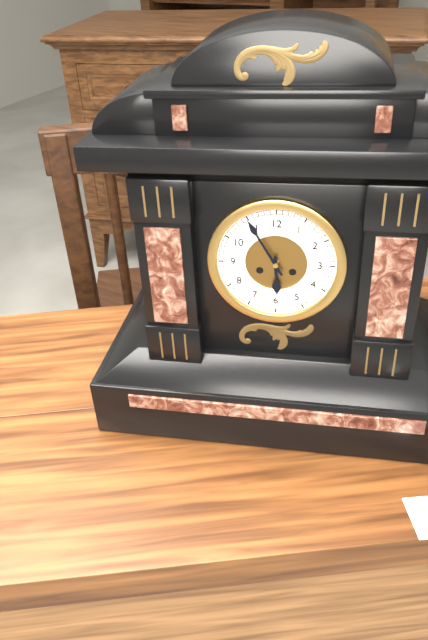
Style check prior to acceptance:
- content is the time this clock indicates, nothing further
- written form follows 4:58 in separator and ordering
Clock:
5:55
